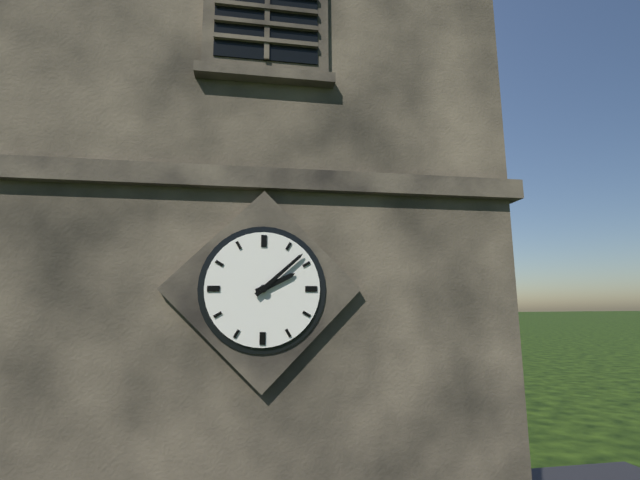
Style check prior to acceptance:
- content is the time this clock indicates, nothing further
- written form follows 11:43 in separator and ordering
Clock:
2:08
